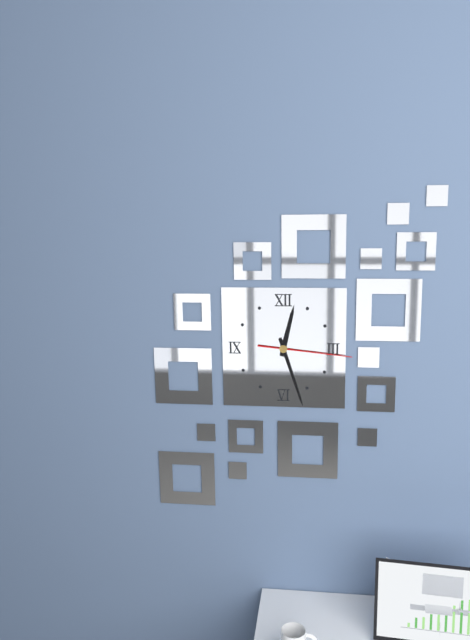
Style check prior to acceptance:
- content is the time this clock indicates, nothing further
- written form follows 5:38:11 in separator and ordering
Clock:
12:27:16
